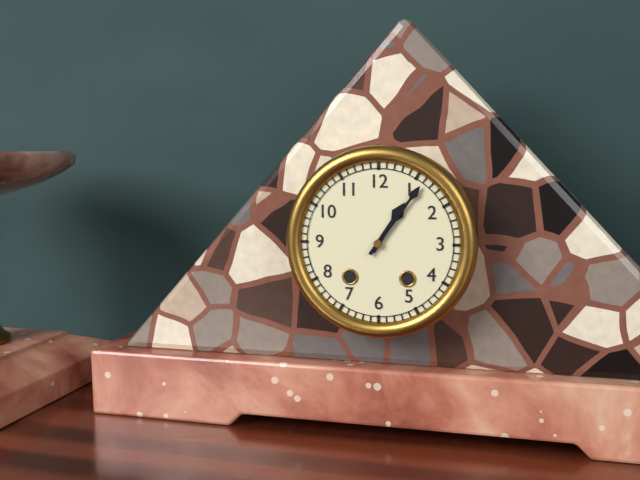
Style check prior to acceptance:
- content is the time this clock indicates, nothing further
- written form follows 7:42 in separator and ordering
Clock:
1:06
